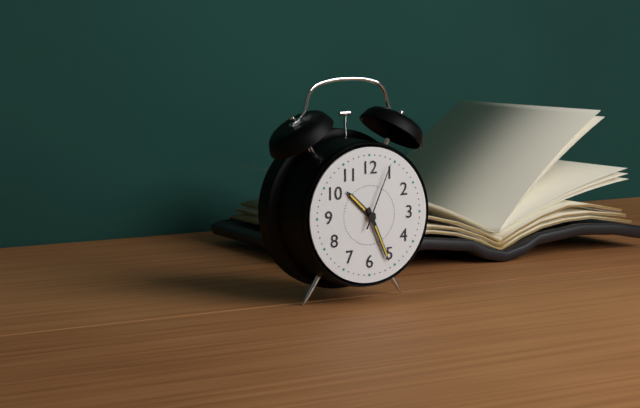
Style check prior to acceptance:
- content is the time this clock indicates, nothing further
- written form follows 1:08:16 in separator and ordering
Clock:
10:26:04
